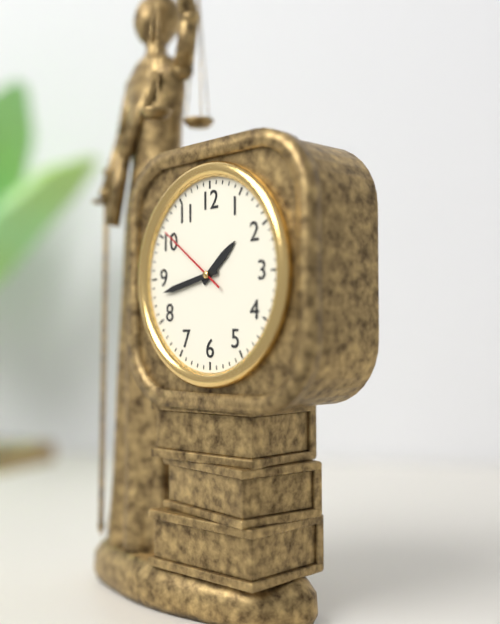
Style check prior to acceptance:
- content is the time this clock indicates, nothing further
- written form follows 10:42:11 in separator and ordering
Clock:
1:43:51
